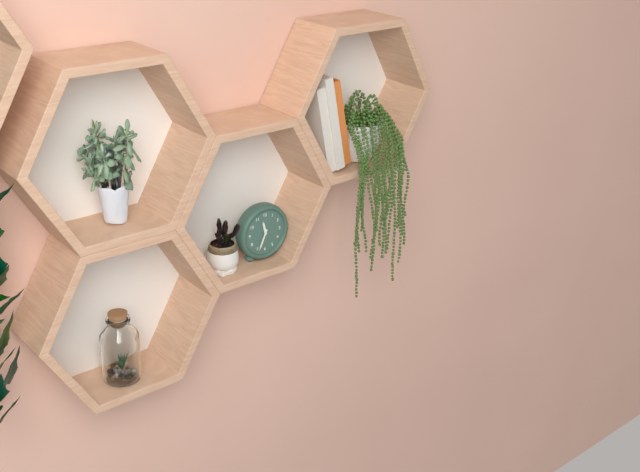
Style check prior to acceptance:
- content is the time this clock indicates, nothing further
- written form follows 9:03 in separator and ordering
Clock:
11:34
